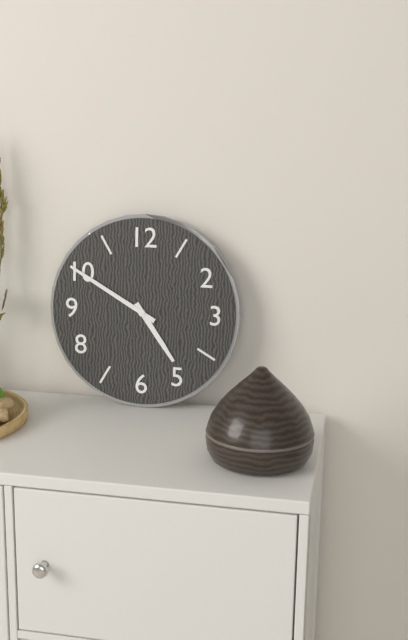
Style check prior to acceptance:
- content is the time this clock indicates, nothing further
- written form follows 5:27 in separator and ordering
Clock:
4:50
